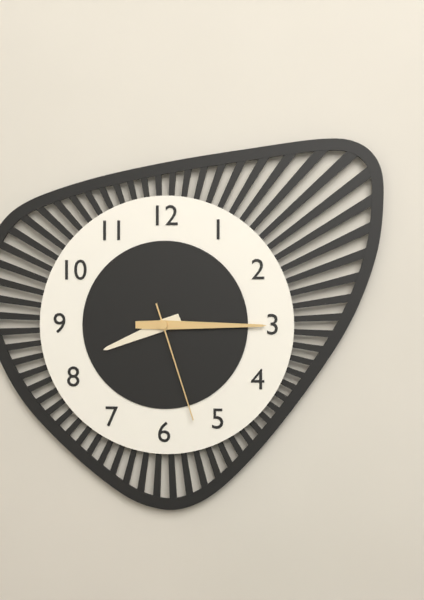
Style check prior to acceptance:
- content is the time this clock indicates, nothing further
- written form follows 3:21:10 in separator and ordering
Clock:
8:15:27
